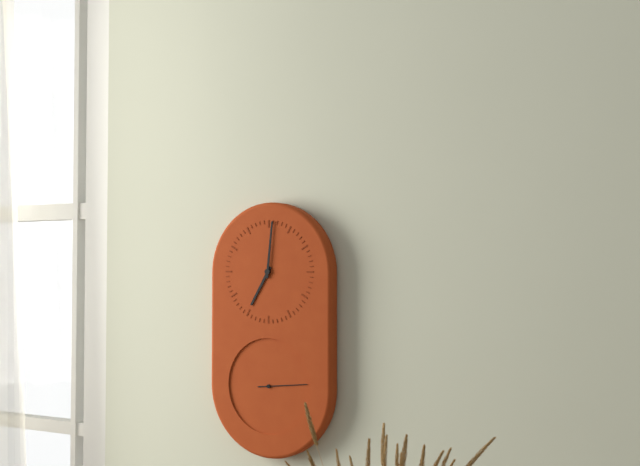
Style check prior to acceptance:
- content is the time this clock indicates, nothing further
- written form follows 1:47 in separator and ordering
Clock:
7:01
